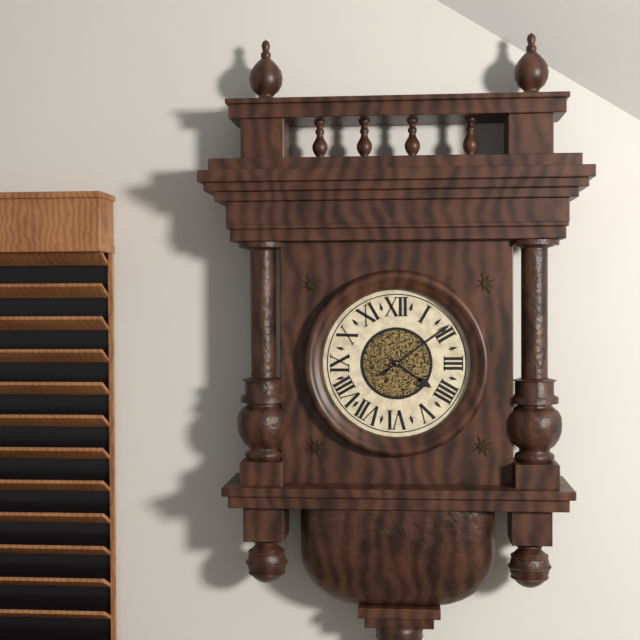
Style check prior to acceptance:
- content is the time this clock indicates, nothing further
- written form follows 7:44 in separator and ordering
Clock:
4:09
